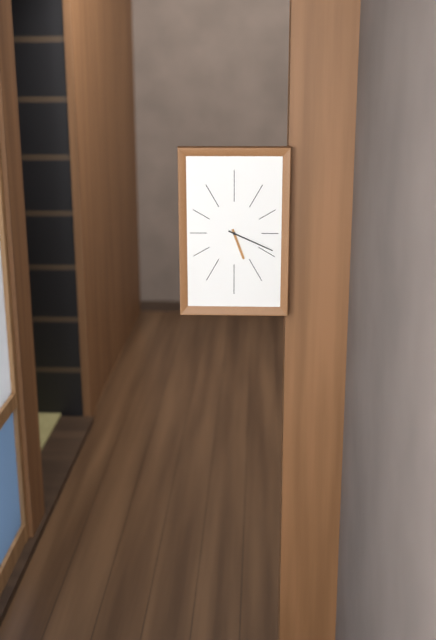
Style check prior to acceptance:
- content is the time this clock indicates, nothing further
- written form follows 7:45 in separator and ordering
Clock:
5:19
